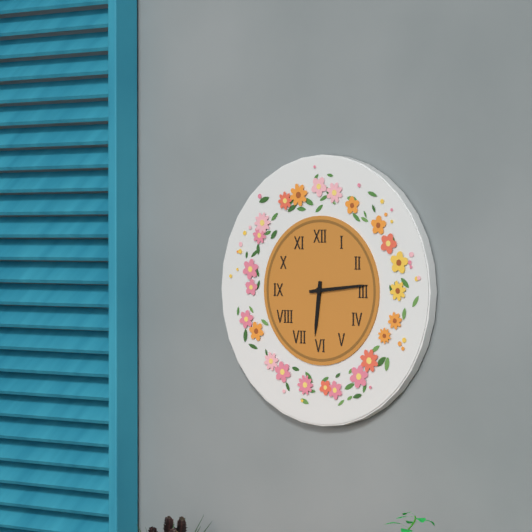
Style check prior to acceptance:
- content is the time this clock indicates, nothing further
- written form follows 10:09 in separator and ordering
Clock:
6:14
